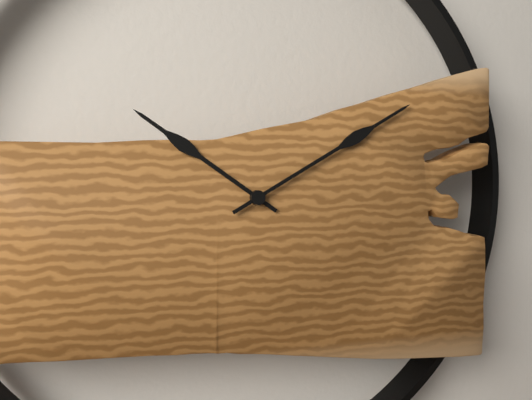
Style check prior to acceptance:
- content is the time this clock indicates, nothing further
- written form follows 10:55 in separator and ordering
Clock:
10:10
